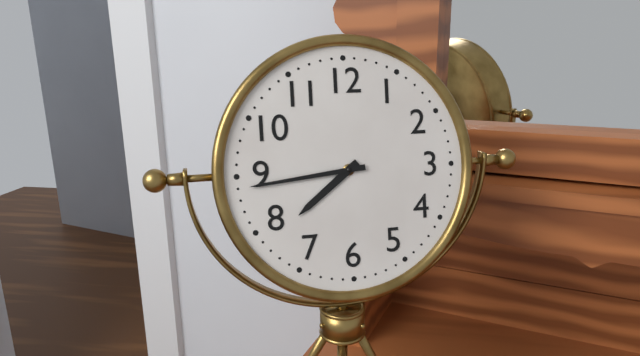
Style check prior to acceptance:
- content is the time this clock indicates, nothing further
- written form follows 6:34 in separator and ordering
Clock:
7:44
